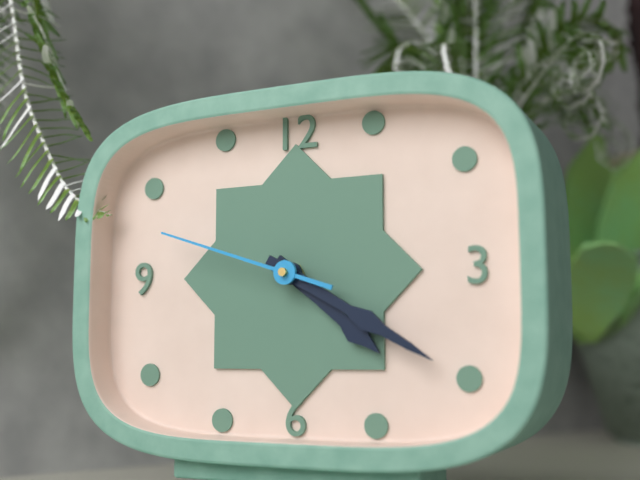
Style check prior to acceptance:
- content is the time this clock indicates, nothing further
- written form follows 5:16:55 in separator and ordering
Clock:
4:20:48
